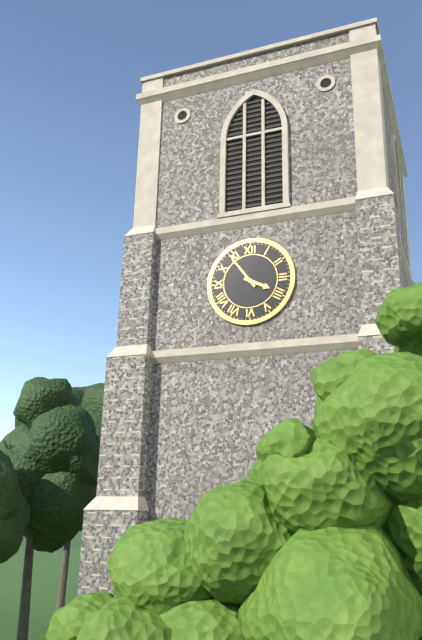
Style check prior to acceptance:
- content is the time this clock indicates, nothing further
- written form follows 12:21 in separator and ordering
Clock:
3:54
